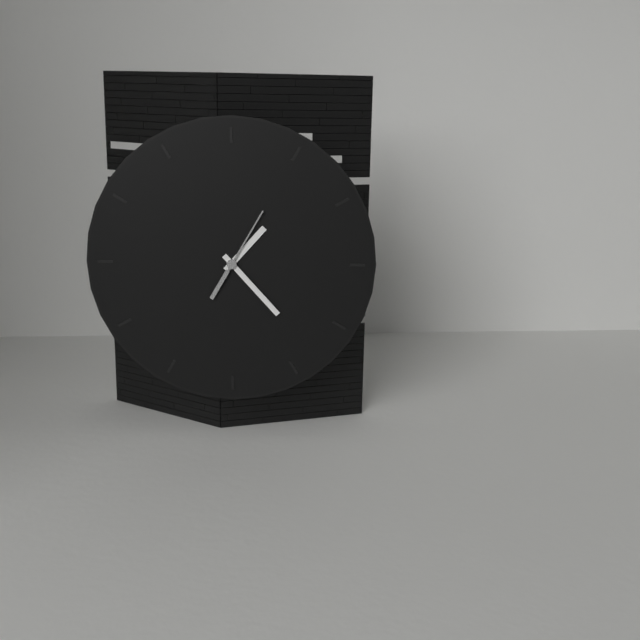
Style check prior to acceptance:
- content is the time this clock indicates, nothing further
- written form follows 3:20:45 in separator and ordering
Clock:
1:23:05
